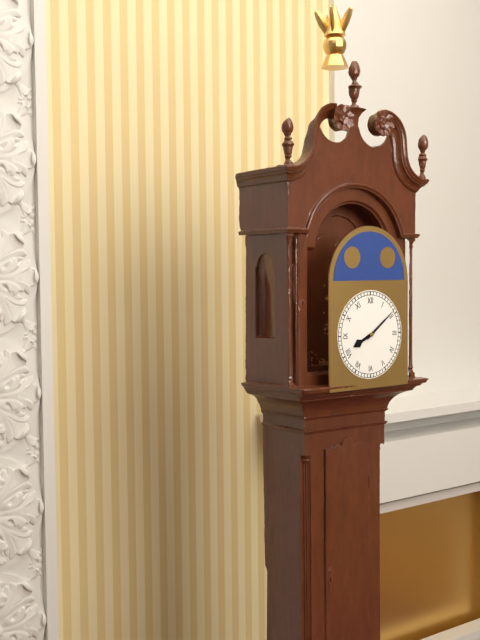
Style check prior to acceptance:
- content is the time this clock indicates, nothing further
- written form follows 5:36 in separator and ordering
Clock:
8:09
